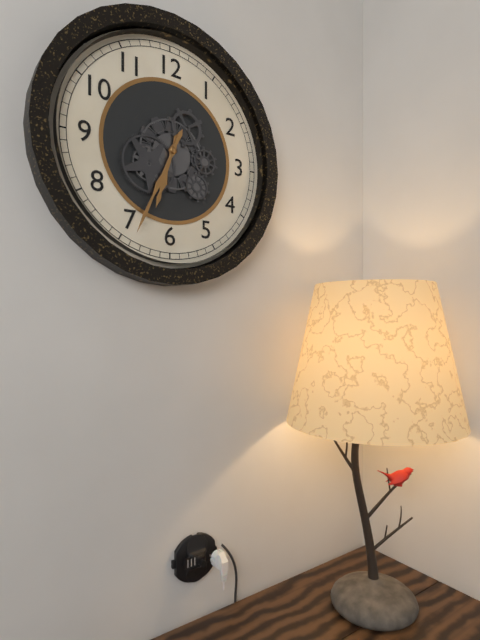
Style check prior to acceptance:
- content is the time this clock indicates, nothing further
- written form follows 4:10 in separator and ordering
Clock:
6:34
